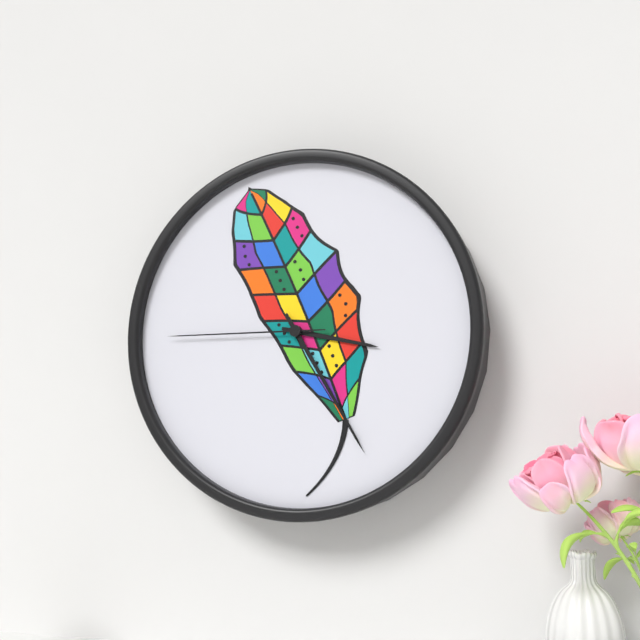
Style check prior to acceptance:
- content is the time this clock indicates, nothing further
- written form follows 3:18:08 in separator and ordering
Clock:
3:25:45
